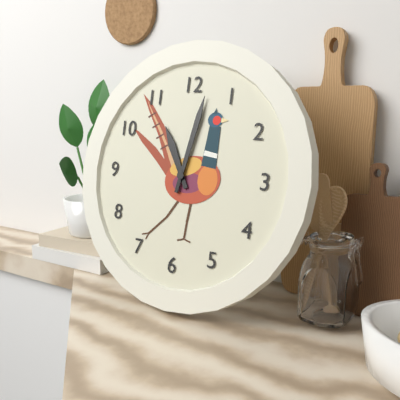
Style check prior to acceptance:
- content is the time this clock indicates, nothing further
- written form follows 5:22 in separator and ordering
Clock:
11:02
